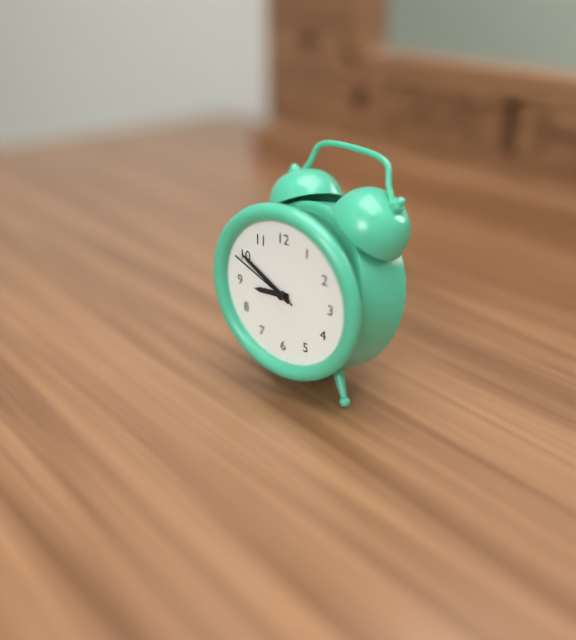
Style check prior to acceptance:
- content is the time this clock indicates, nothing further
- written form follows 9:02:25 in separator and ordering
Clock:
8:50:49
